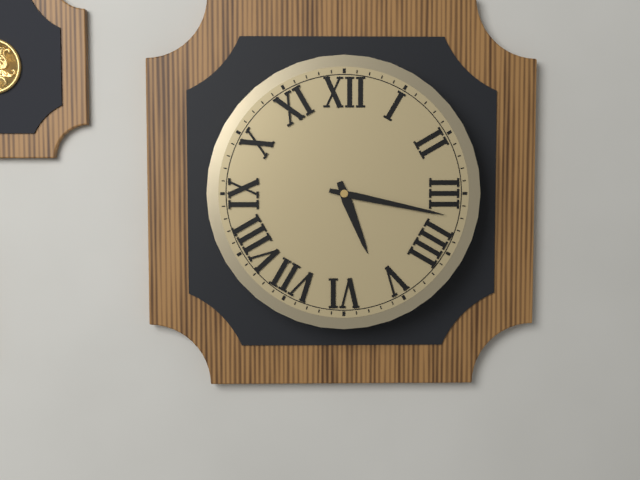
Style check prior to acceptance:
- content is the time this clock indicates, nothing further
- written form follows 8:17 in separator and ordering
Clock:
5:17
